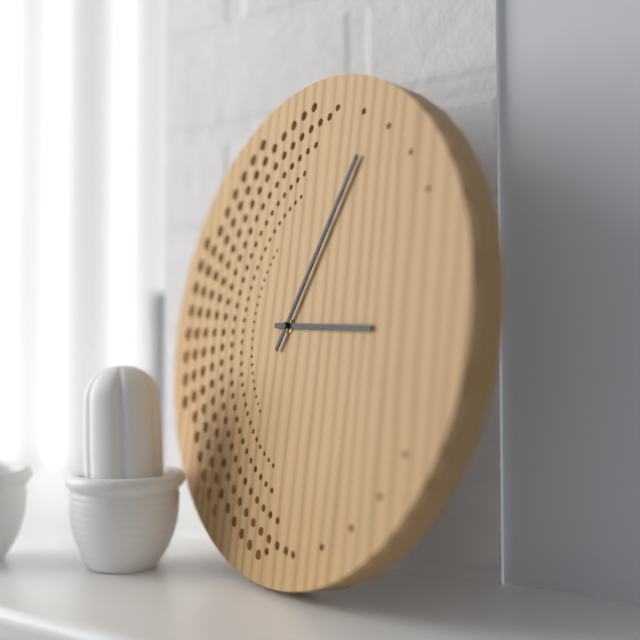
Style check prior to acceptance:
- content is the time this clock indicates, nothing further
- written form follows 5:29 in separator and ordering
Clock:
3:05
